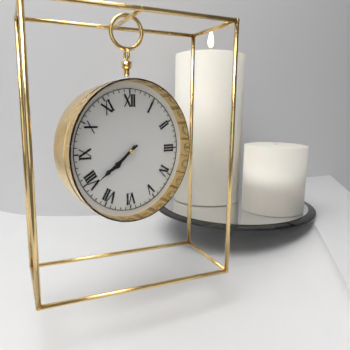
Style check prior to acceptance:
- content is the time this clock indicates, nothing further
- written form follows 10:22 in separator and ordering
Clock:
7:39
